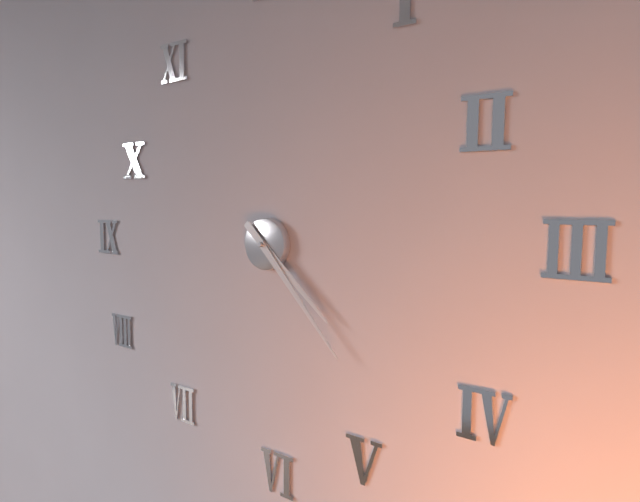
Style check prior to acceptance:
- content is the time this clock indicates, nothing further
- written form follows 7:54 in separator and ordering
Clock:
4:23
